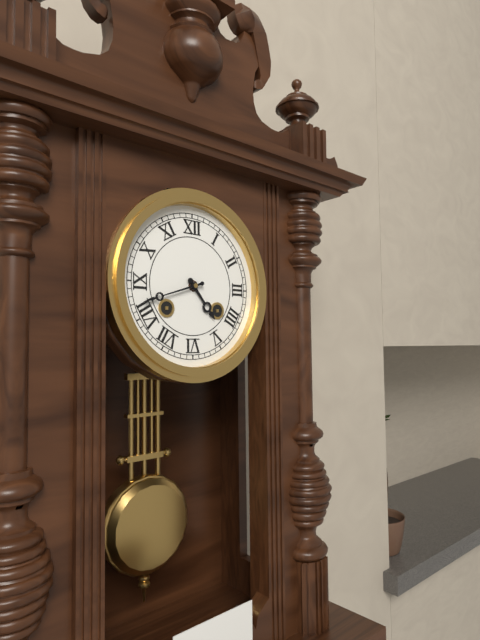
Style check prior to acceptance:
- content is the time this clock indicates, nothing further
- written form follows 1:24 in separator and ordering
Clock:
4:42
